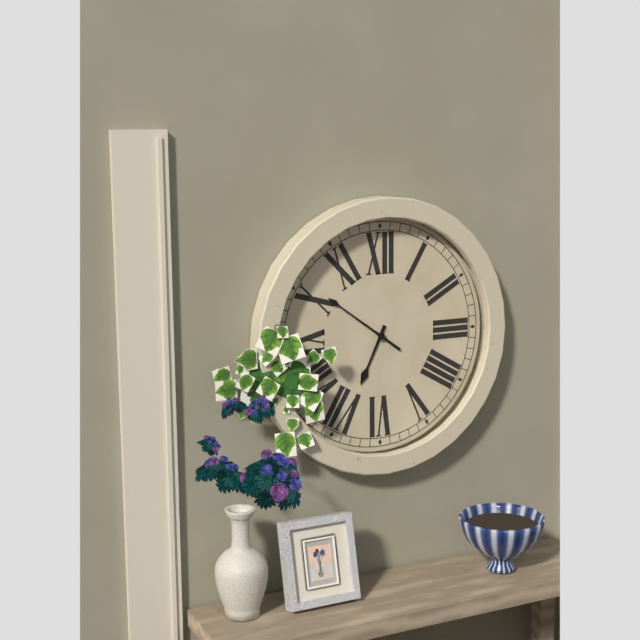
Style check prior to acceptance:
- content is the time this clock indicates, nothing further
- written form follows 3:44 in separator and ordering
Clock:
6:51
